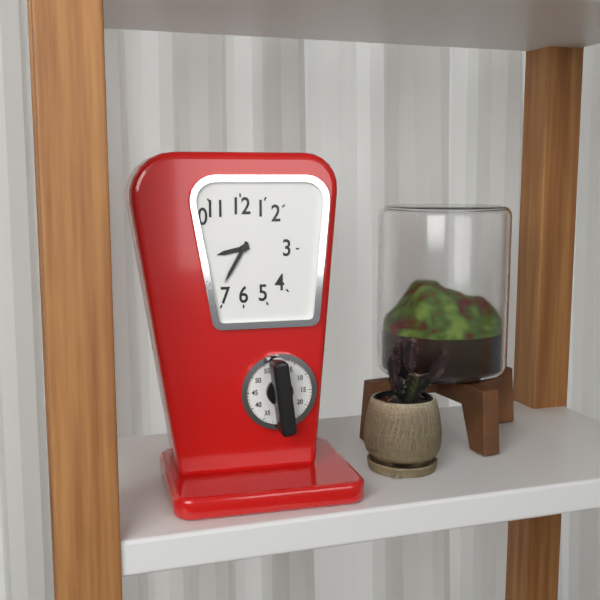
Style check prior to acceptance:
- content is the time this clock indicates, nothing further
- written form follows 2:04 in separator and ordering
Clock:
8:35
